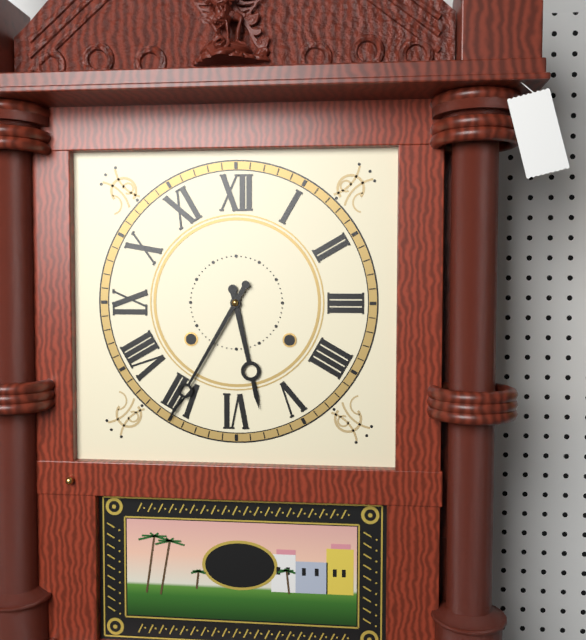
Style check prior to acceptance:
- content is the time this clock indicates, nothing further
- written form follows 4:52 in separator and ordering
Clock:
5:35
